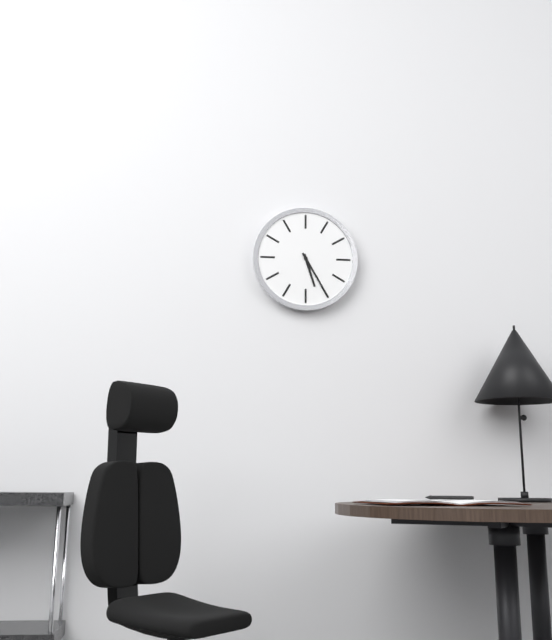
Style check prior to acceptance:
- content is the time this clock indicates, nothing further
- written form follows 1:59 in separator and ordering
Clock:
5:25
